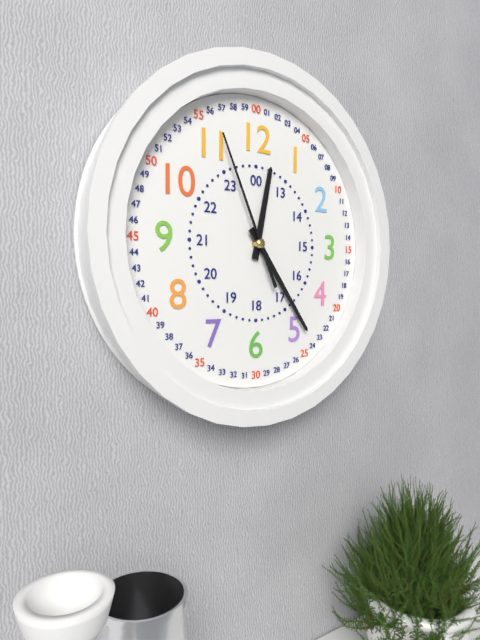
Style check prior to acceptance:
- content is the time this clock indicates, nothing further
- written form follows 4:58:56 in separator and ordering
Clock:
12:24:56
